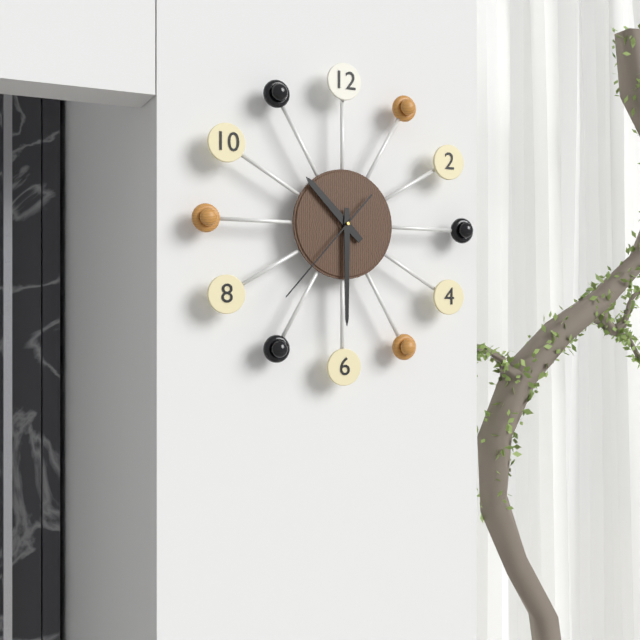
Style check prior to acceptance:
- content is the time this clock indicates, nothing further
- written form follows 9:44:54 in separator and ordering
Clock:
10:30:37
